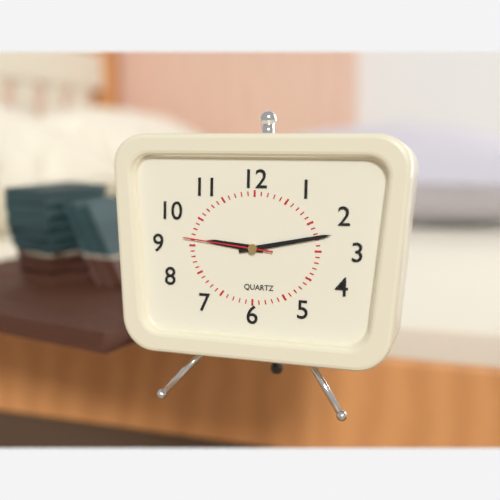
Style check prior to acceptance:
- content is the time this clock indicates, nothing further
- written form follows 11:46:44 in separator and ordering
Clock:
9:13:46
